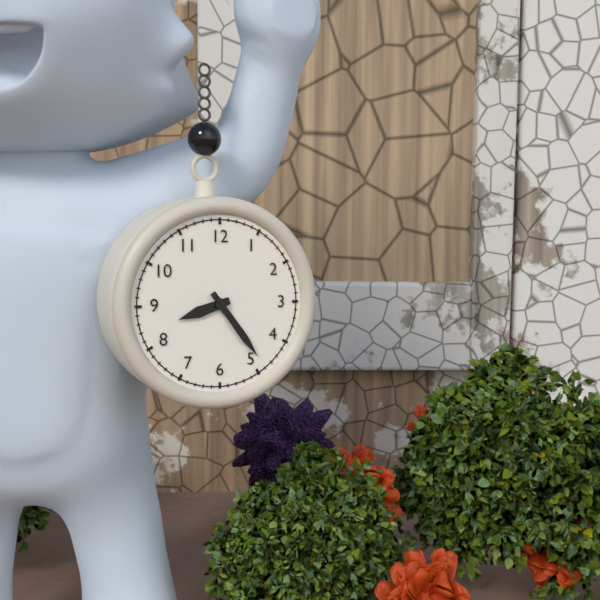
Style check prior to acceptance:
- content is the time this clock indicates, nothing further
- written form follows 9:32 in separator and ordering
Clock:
8:24
